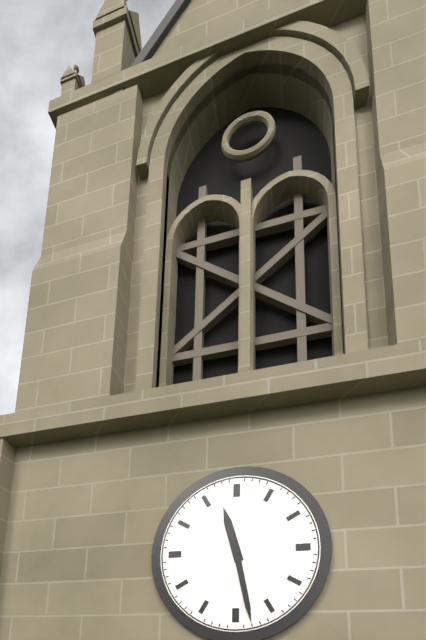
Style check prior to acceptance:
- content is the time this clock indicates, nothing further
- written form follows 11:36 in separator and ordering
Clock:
11:28
